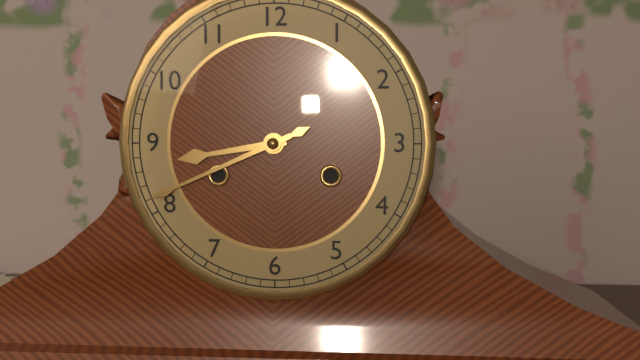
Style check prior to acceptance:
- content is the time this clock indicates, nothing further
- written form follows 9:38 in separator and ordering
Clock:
8:41
